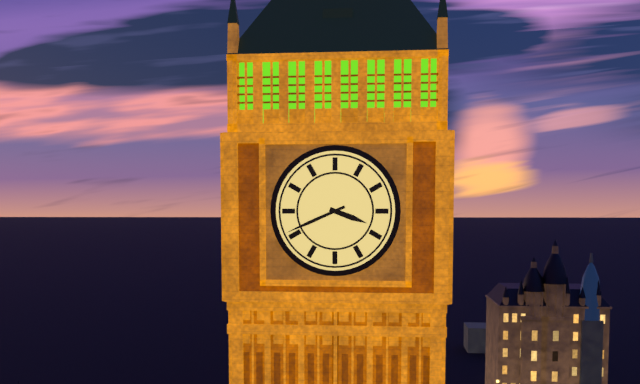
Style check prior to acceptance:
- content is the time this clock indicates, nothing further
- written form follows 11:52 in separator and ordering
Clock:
3:41
